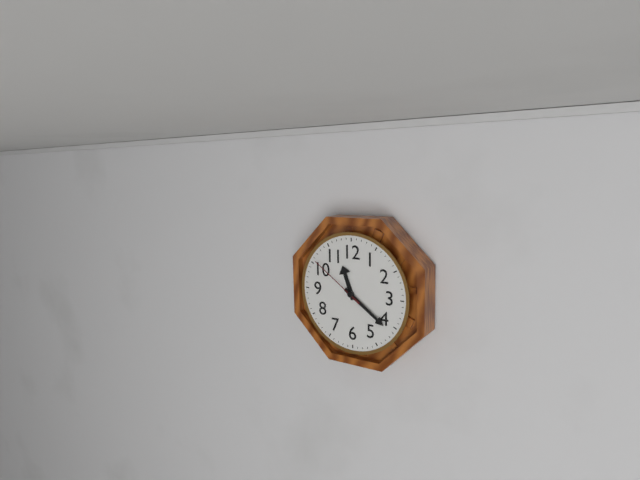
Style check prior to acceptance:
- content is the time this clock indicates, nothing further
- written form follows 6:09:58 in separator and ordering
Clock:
11:21:51
